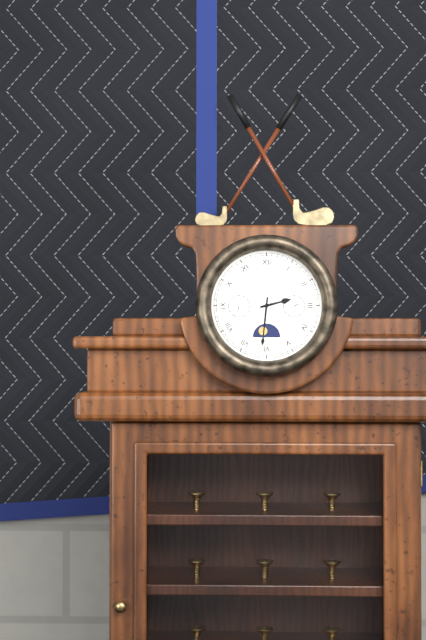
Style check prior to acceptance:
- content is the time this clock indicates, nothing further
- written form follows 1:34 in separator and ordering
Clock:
2:31
